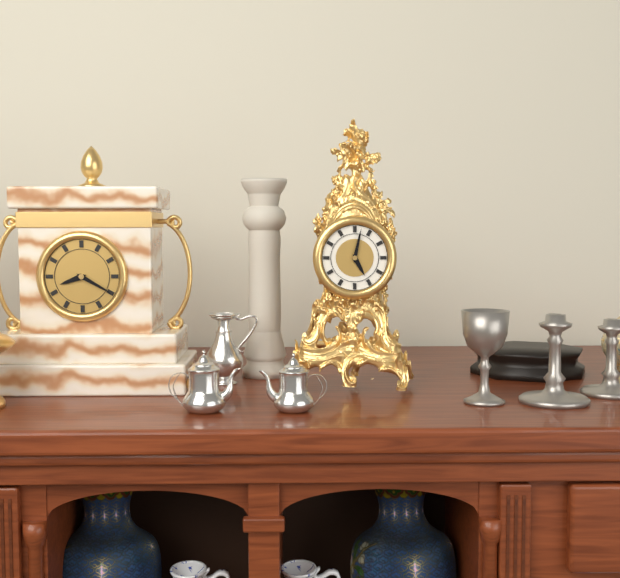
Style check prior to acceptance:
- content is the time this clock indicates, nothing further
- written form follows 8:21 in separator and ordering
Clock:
5:02
